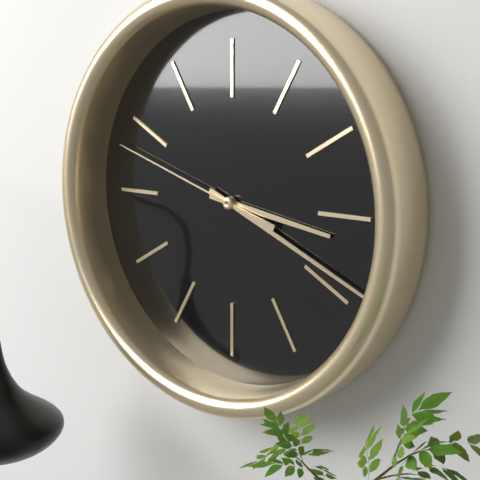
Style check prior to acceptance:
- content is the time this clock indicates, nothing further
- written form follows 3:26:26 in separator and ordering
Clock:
3:19:48
